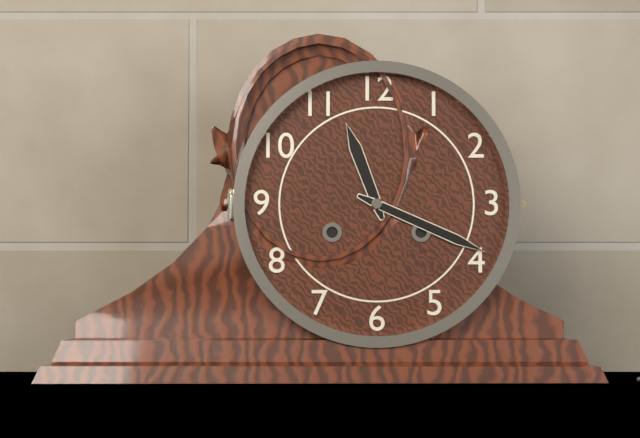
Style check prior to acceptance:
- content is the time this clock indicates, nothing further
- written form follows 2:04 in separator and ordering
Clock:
11:19
